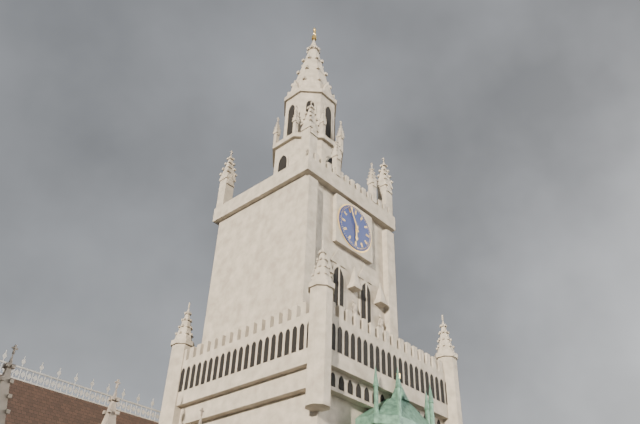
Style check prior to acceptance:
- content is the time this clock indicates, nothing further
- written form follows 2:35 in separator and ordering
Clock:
5:56
